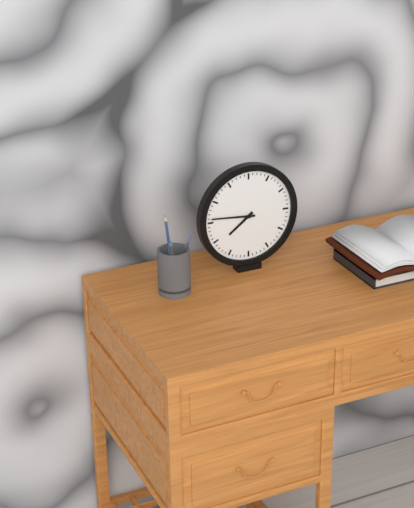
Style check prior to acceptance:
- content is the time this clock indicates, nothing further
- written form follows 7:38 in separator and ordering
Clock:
7:46
